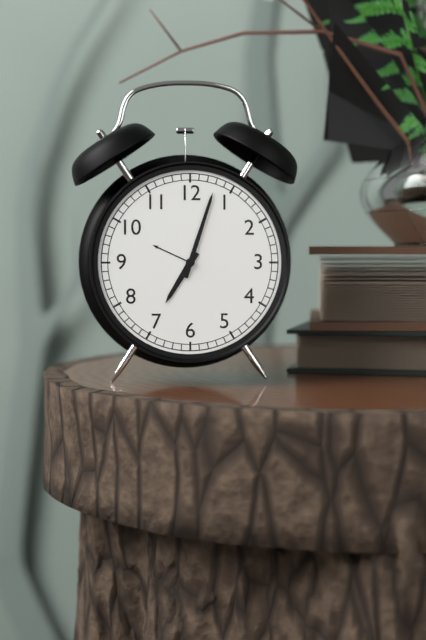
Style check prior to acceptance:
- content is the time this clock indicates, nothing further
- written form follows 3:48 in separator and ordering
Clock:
7:03
